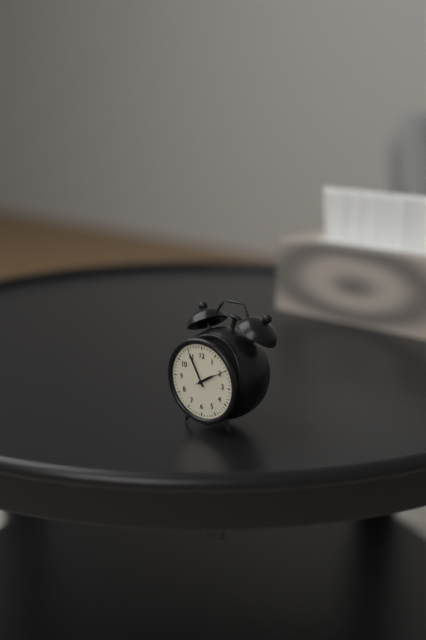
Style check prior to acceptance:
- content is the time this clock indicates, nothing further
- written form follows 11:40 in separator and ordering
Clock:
1:55
